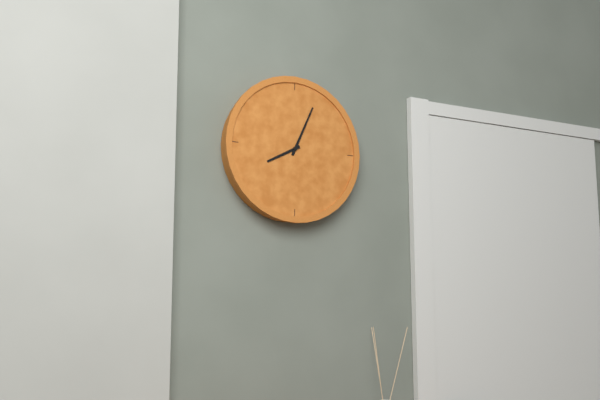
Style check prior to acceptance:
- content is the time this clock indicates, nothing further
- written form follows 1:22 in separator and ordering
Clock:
8:04
